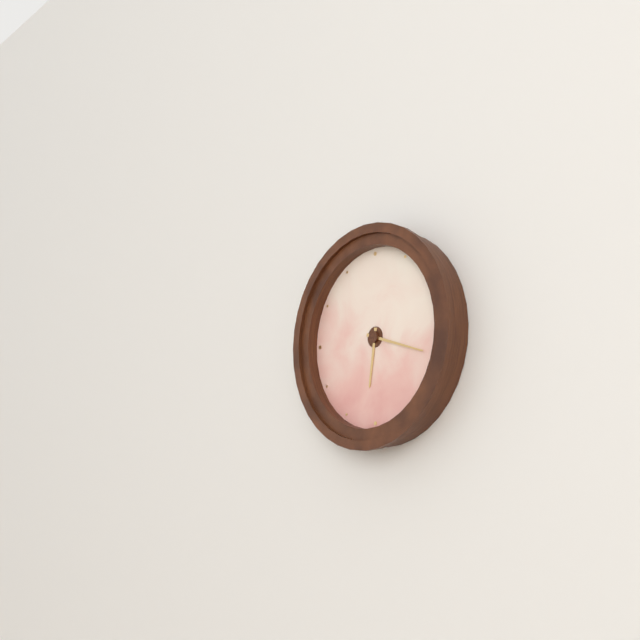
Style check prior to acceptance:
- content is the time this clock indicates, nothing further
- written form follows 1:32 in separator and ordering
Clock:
6:18
